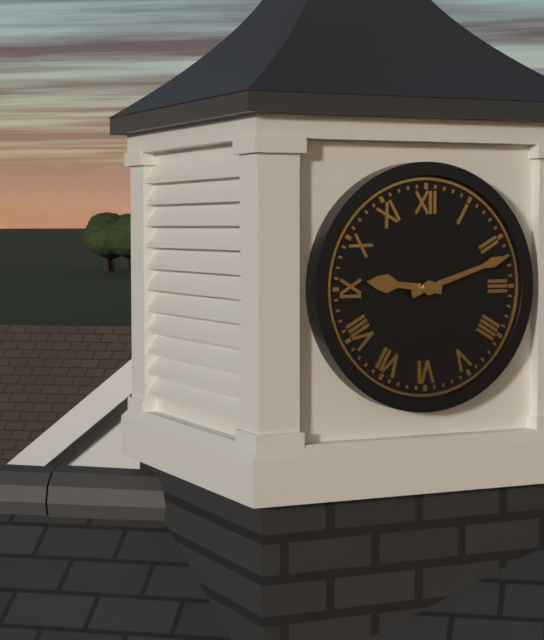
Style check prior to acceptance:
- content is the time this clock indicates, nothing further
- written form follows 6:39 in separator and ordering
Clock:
9:12
